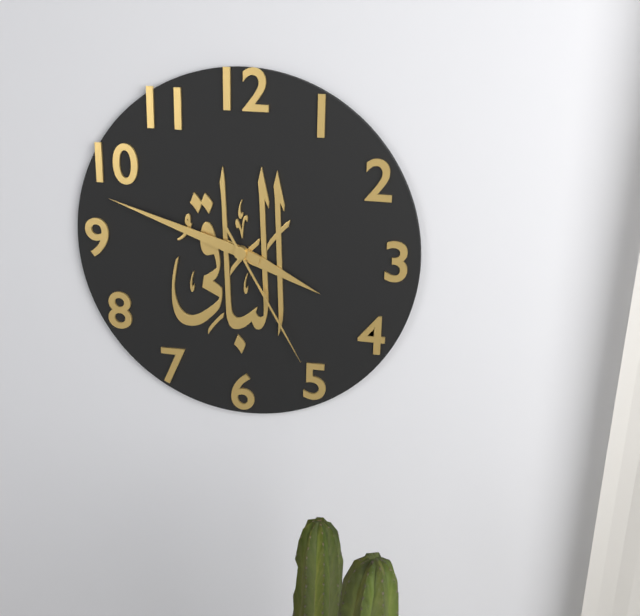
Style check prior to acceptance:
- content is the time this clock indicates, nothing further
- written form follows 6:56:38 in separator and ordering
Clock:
3:48:25
